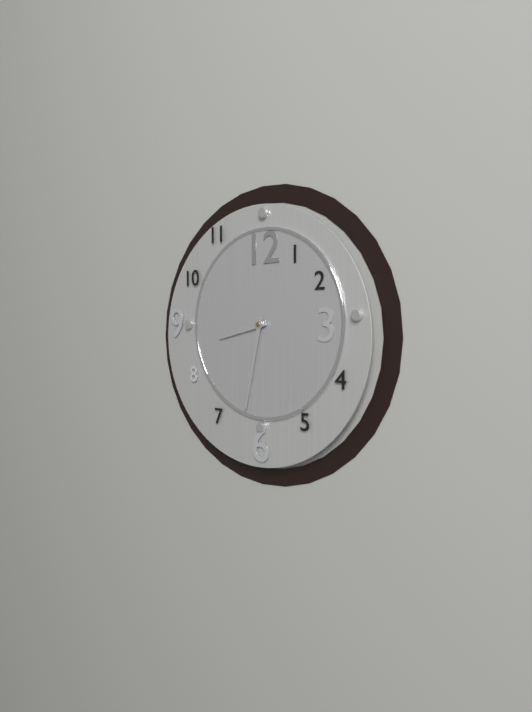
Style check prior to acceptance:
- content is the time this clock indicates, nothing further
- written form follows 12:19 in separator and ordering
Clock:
8:32
